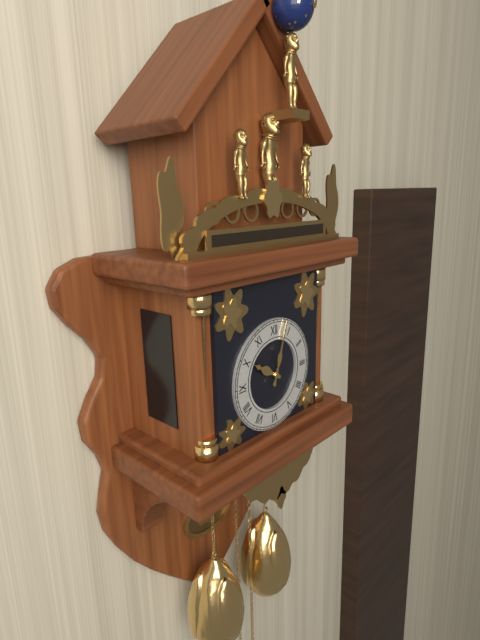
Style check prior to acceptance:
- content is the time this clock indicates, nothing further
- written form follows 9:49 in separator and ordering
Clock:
10:03
